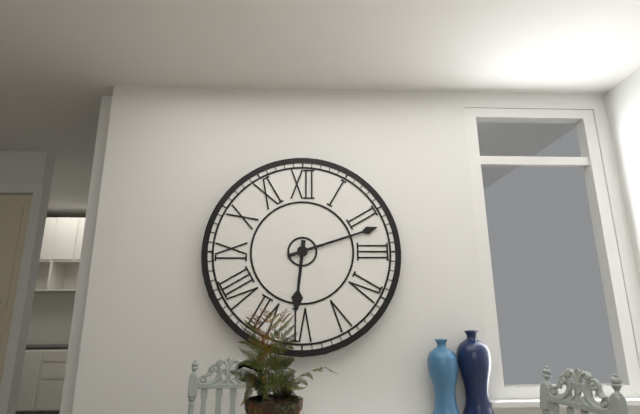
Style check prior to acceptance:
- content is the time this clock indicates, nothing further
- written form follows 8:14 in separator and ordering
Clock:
6:12
